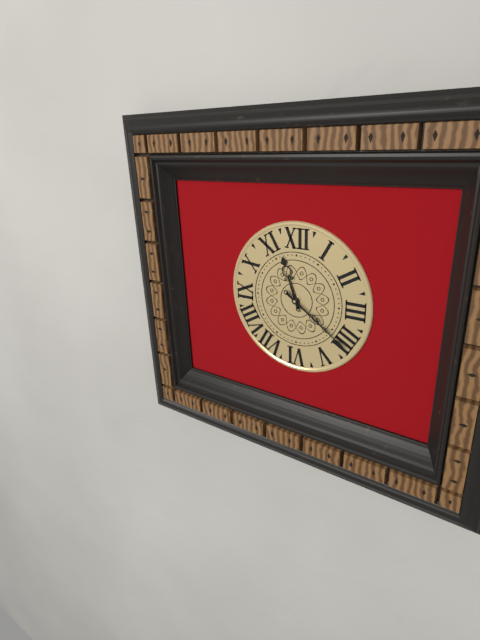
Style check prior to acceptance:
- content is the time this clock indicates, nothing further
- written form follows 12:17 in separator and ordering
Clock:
11:21
